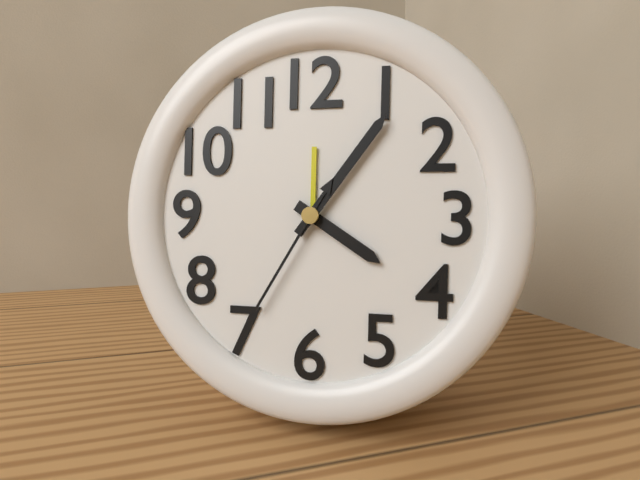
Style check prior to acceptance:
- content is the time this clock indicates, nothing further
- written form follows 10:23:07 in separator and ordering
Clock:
4:06:35
